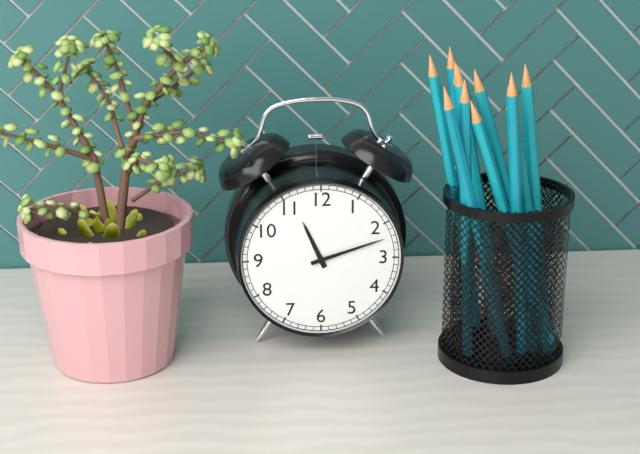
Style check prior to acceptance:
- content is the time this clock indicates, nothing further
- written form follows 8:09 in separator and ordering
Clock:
11:12
